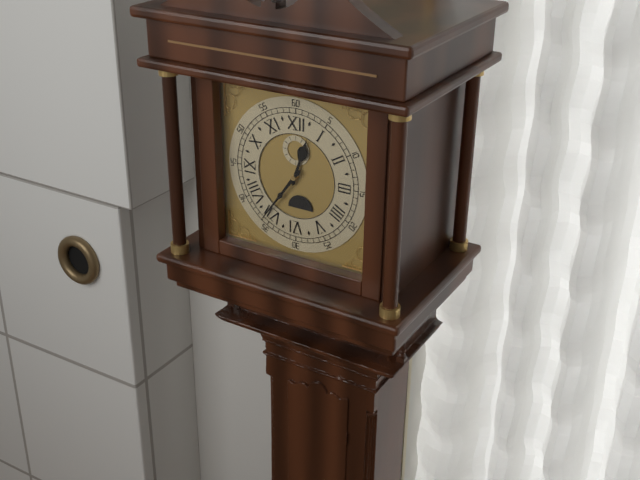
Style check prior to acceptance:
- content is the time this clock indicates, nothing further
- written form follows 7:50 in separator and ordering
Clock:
12:36
